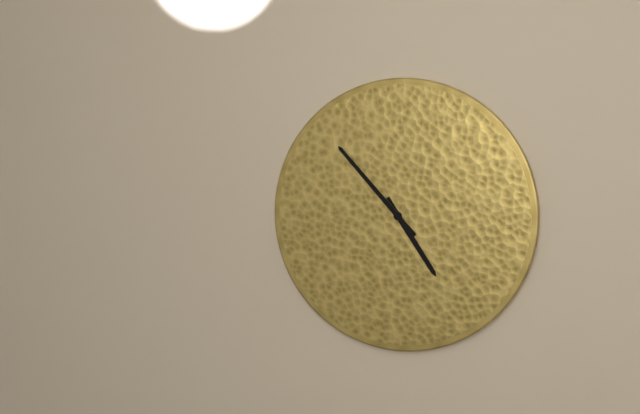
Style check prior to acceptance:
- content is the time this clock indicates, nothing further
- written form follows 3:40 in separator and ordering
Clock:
4:53
